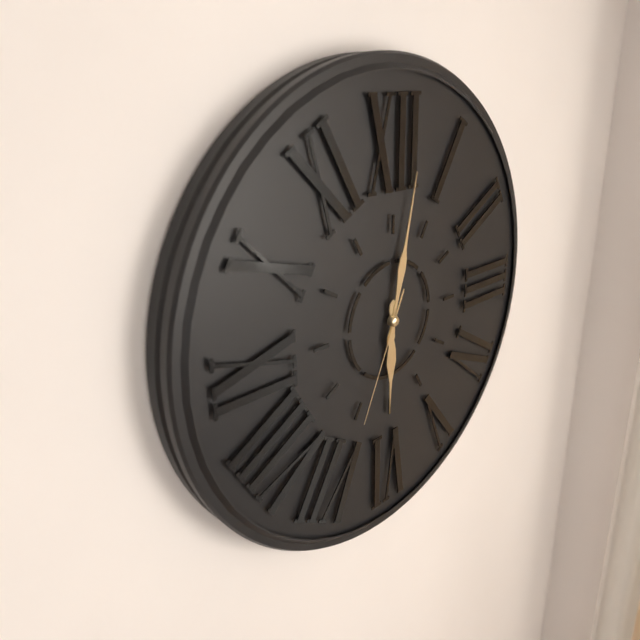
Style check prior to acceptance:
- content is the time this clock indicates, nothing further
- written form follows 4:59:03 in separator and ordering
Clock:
6:02:34
